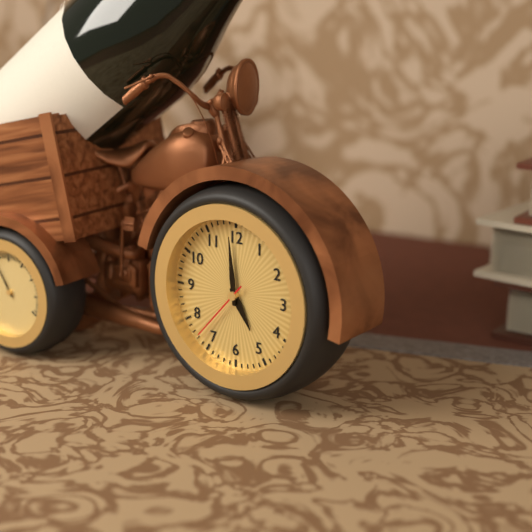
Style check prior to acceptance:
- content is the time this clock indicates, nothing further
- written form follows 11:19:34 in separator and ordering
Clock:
4:59:37
